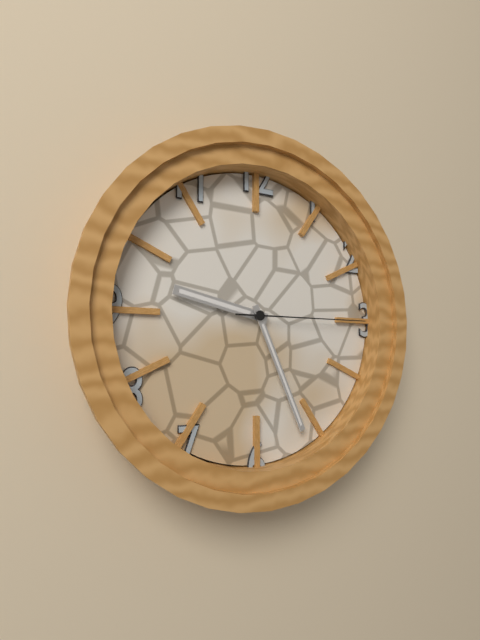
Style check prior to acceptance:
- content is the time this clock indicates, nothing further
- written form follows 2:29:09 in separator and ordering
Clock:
9:26:15
